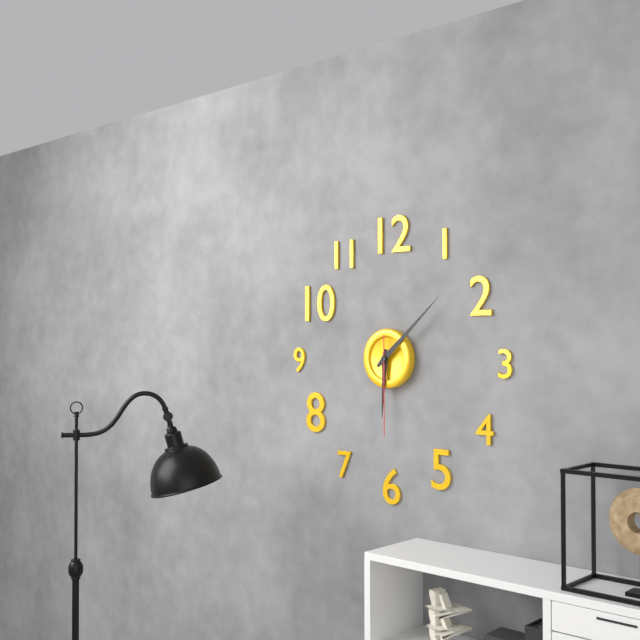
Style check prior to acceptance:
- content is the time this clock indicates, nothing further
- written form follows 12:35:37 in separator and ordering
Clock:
6:08:30
